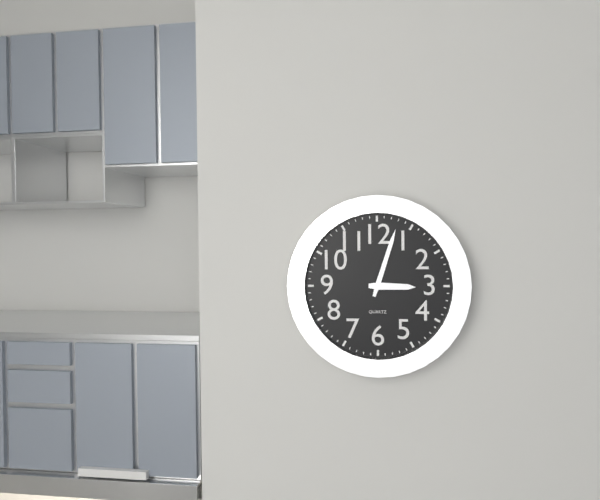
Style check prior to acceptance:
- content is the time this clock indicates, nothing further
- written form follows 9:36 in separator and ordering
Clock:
3:03
